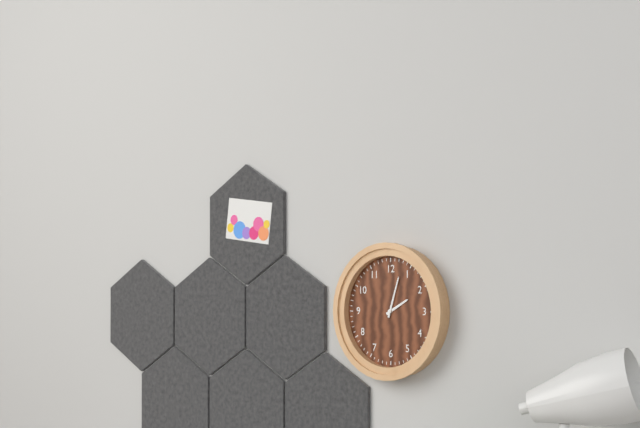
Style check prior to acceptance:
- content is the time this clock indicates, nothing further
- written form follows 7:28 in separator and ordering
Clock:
2:03
